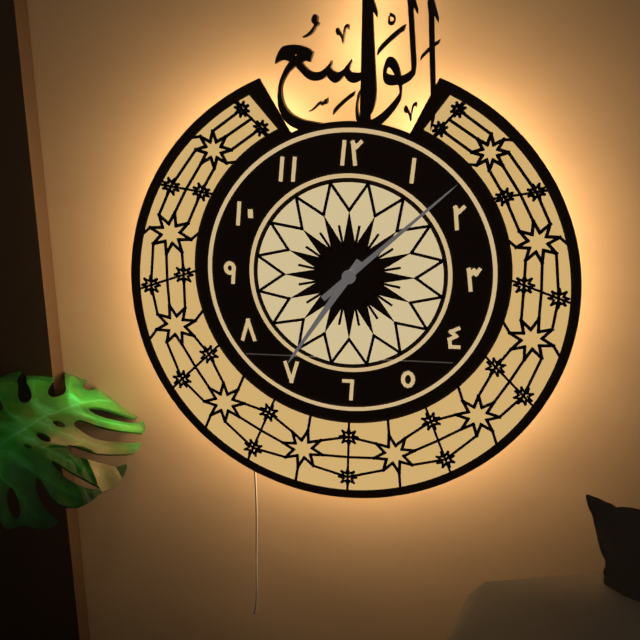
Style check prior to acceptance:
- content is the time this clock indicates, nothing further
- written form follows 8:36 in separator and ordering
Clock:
7:08
